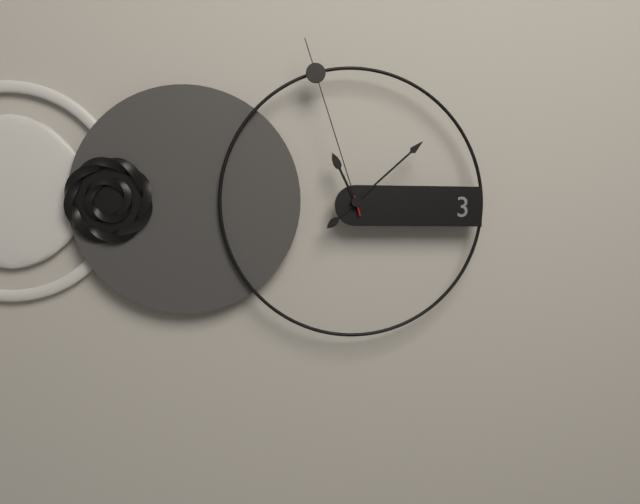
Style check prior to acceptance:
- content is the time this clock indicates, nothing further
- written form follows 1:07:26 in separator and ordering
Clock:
11:08:57
